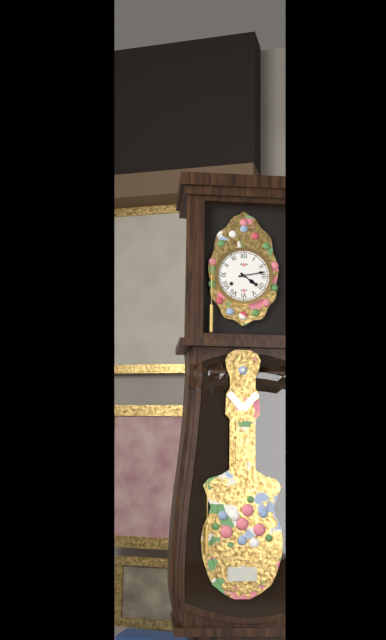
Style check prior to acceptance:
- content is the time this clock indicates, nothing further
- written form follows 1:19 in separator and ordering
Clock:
4:13
